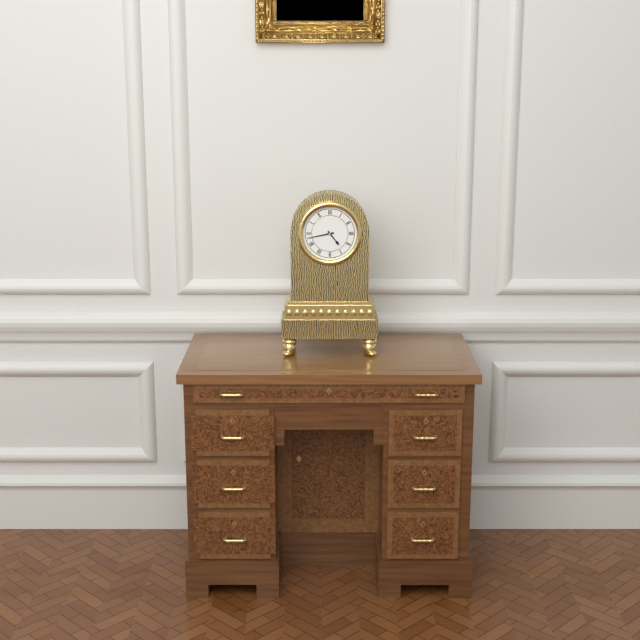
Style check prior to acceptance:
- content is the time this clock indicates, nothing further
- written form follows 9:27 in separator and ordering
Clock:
4:43
